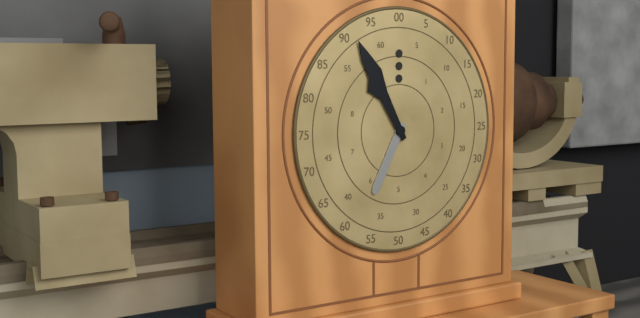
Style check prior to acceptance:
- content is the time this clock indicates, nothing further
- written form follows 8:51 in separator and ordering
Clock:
6:55
